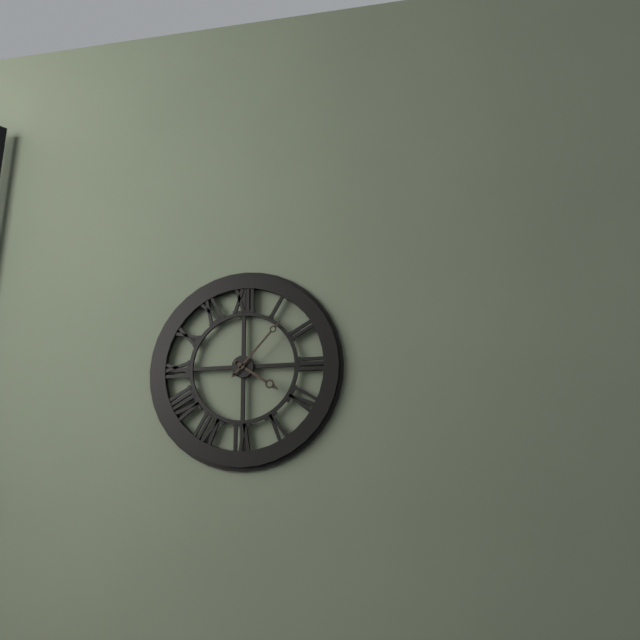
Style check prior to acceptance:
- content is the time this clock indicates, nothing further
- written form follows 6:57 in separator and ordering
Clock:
4:07
